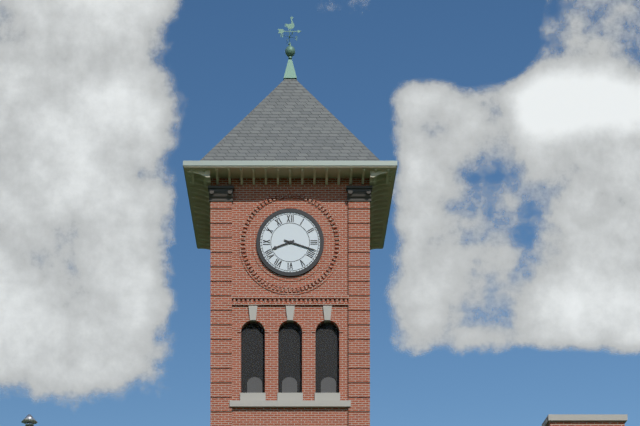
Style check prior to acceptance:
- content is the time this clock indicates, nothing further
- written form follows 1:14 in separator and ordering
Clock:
8:18
